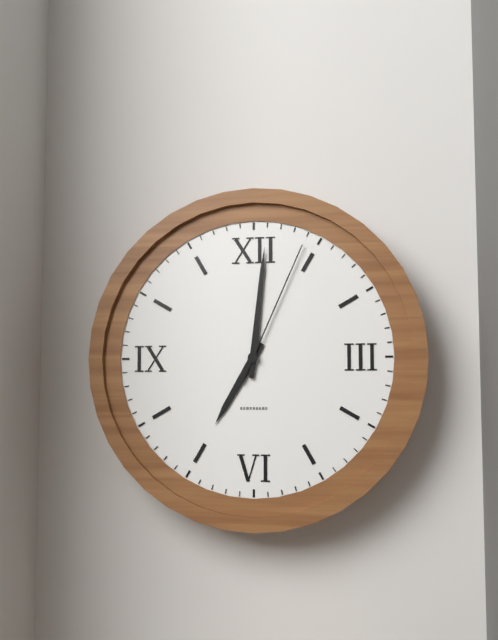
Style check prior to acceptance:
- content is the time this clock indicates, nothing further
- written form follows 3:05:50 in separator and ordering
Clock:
7:01:04
